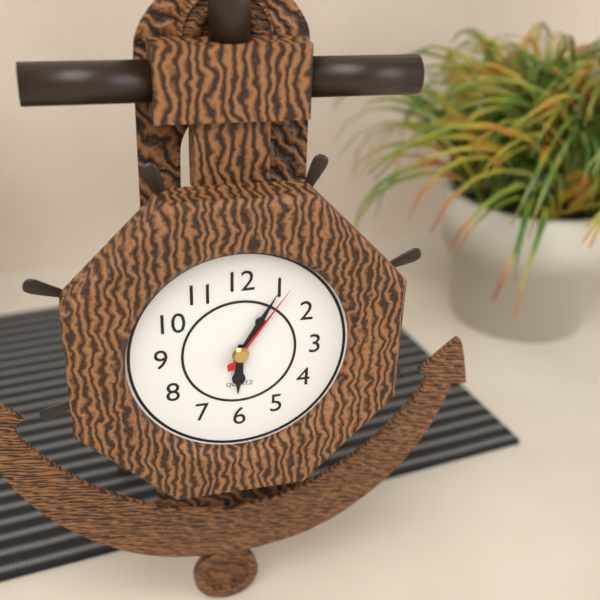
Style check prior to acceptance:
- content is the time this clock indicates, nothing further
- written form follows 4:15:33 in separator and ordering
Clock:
6:05:06
